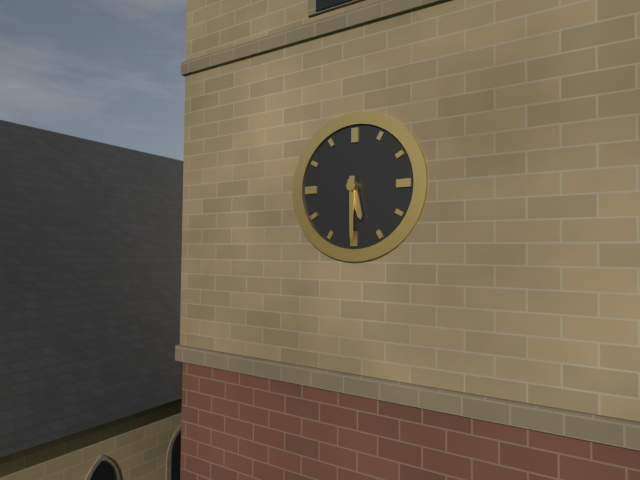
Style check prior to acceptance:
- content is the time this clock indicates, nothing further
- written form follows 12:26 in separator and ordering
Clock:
5:30
